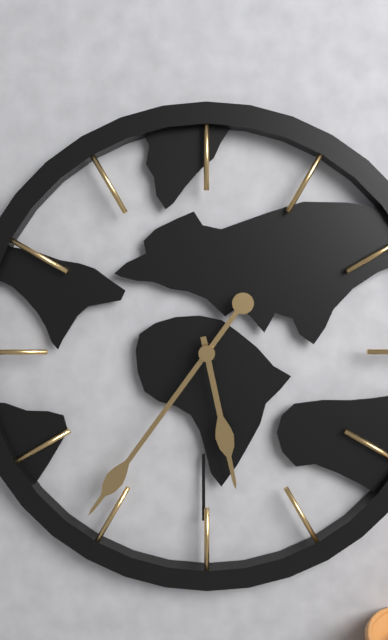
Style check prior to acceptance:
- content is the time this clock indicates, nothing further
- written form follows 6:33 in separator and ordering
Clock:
5:36
